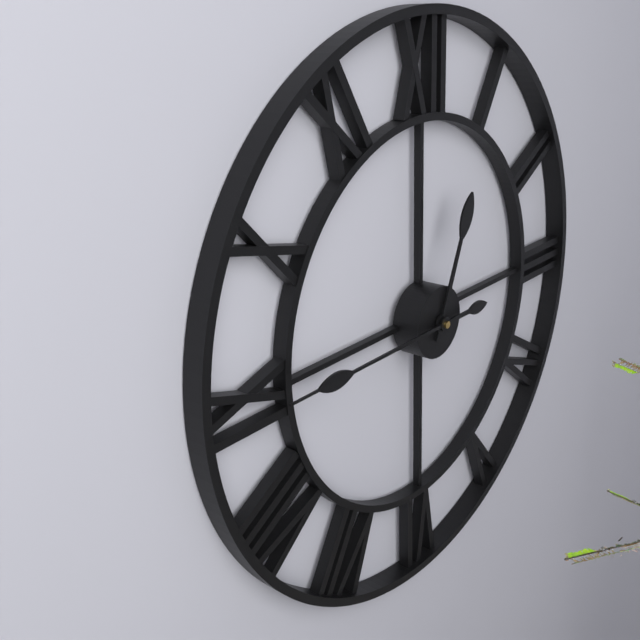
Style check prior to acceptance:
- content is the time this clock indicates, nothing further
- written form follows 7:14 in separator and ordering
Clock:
12:45
